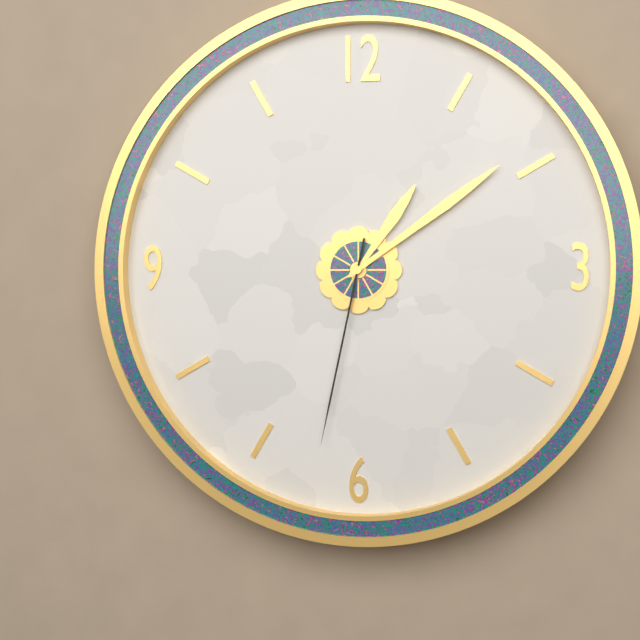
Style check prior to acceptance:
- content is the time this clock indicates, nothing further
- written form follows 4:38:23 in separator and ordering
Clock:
1:09:32
